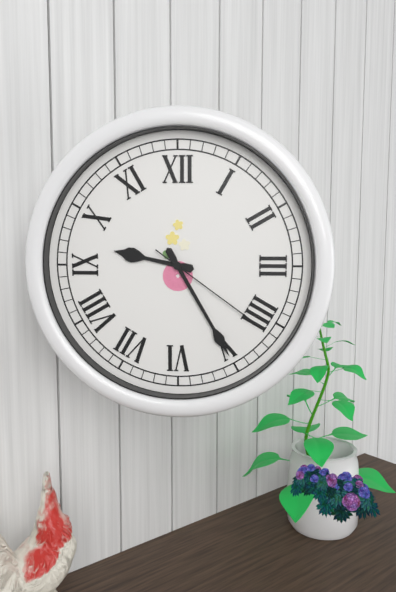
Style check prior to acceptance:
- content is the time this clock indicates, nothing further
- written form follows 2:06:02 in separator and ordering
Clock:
9:25:21
